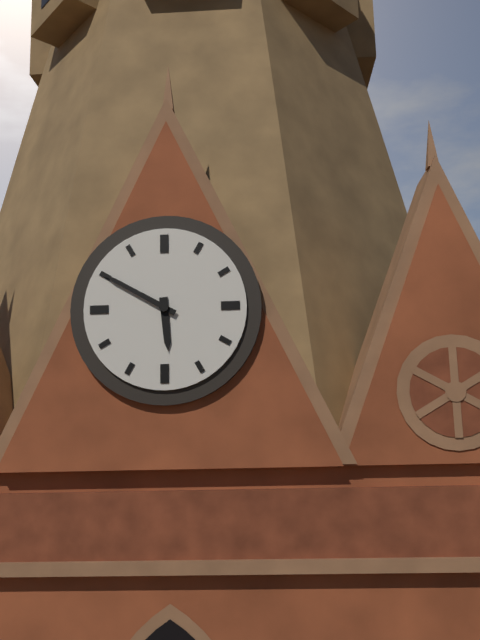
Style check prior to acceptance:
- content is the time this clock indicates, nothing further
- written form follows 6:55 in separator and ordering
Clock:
5:50
